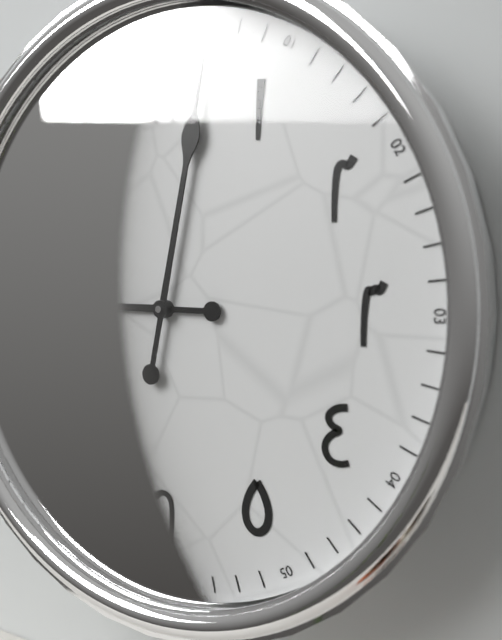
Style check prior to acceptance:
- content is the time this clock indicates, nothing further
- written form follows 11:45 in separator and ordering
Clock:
9:02
